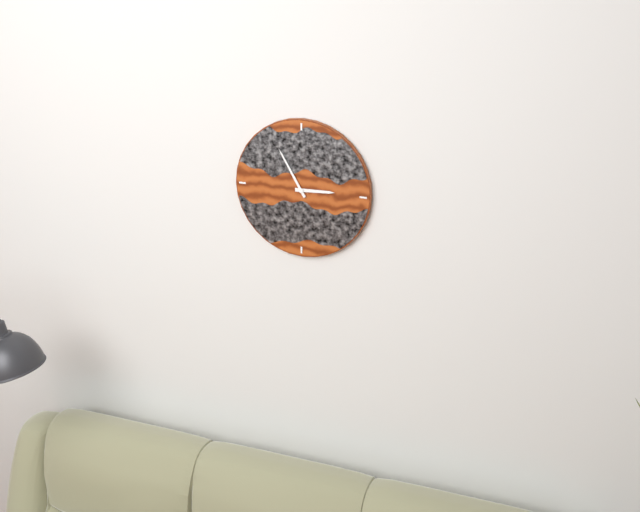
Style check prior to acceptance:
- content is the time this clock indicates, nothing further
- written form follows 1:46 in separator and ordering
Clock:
2:55
